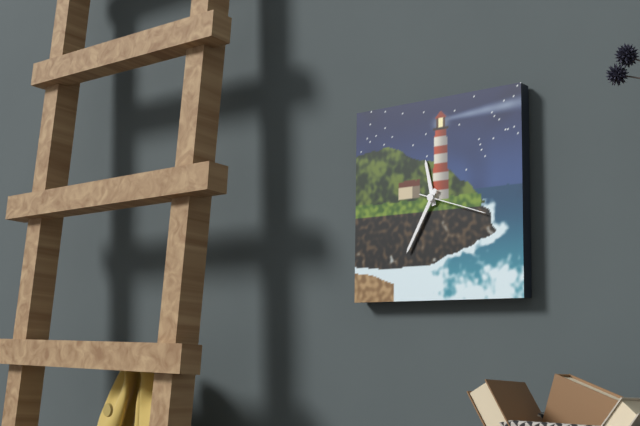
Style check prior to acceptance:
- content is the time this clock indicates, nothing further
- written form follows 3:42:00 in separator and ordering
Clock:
11:35:18
